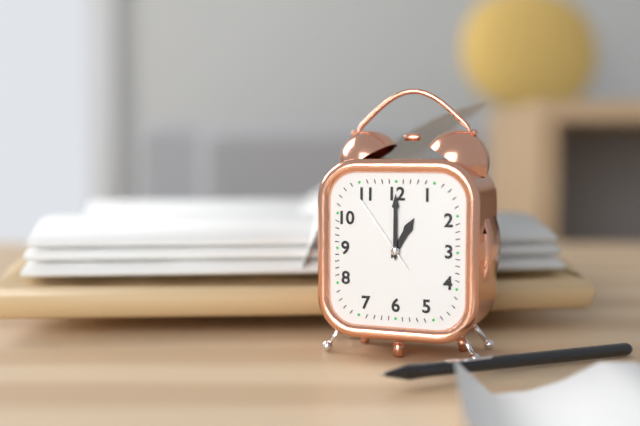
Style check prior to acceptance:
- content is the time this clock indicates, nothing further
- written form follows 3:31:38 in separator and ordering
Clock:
1:00:54
